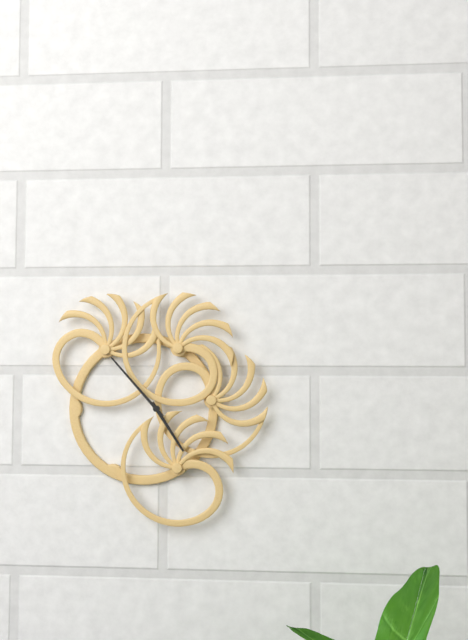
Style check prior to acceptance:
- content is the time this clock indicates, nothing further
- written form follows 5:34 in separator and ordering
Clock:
4:53
